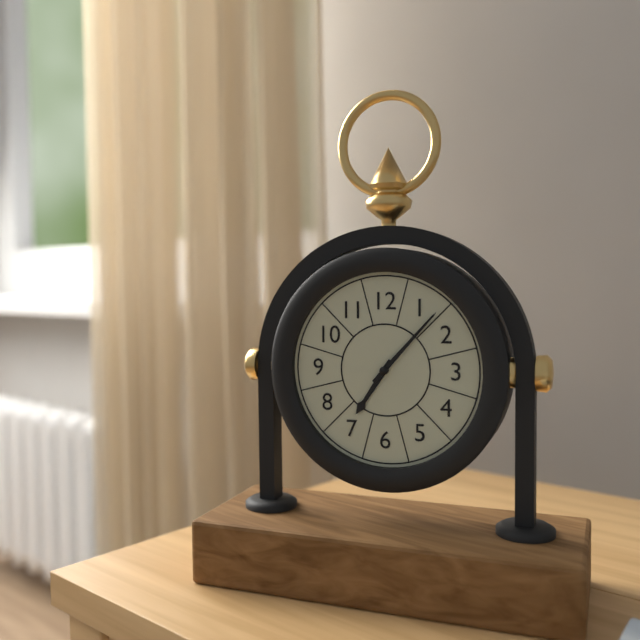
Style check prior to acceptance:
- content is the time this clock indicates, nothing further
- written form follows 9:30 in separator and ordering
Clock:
7:07
